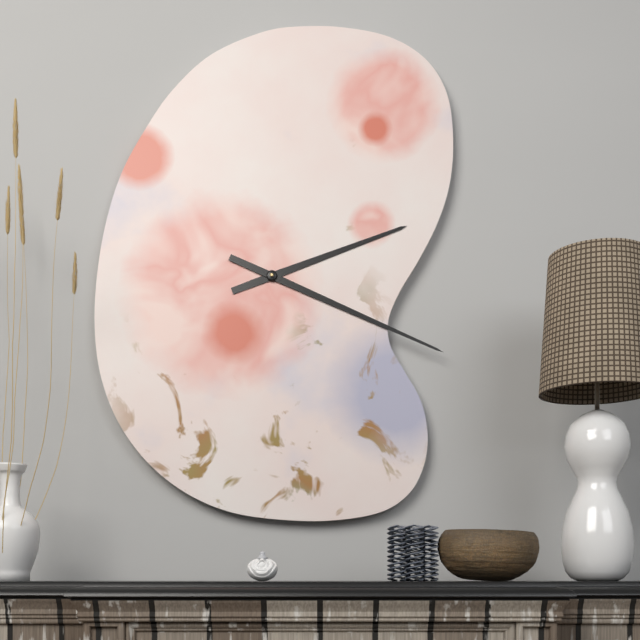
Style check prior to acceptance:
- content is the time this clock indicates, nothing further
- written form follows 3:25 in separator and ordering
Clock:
2:19
